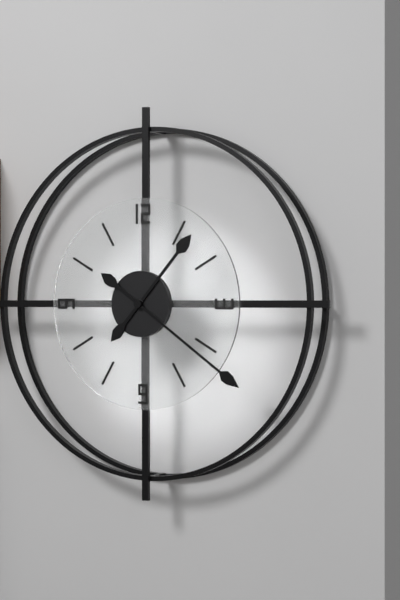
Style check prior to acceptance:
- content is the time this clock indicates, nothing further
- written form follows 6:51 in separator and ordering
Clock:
1:21
